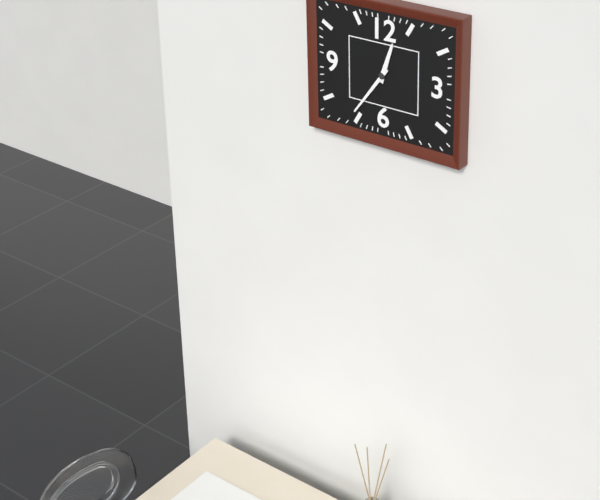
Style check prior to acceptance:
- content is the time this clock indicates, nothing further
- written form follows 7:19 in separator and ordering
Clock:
12:36
